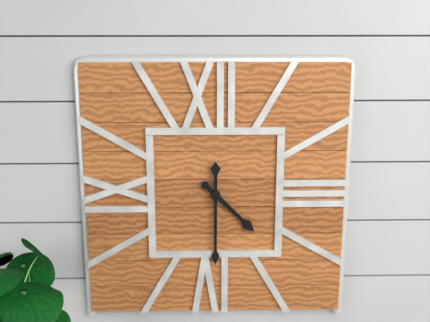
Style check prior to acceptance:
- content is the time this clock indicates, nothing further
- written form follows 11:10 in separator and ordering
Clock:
4:30
